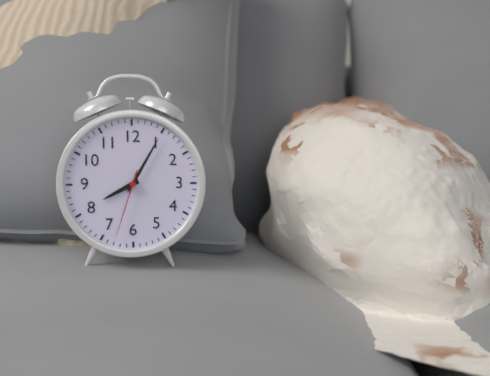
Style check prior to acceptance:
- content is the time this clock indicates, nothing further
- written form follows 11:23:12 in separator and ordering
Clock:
8:05:33
